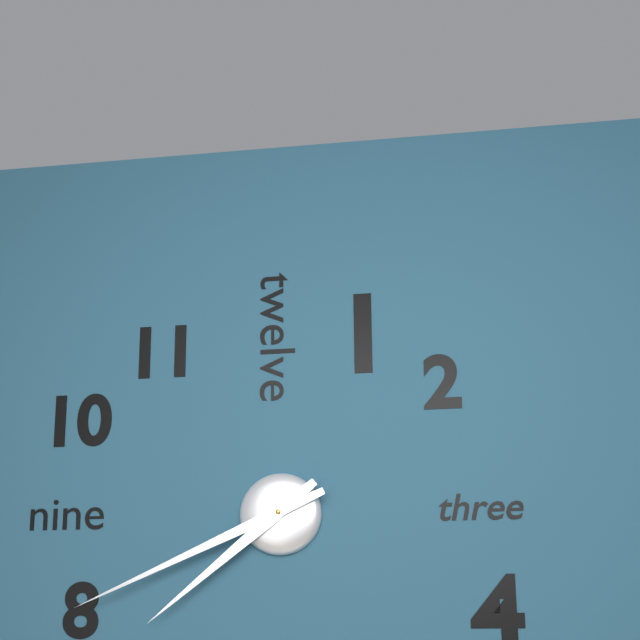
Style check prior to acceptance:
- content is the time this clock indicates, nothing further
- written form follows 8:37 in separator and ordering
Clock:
7:41
